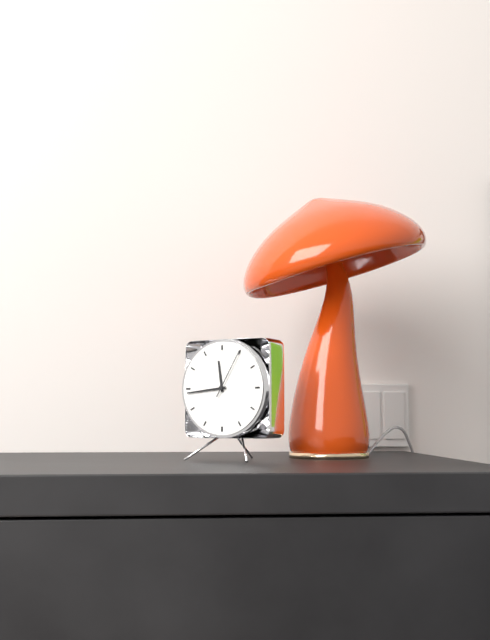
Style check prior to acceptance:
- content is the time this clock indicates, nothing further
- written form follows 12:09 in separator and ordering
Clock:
11:44
